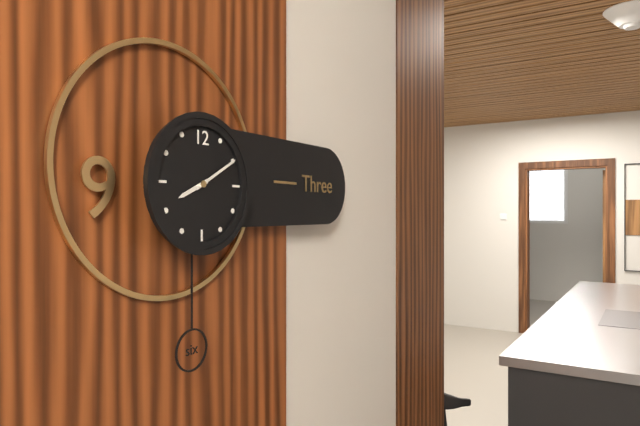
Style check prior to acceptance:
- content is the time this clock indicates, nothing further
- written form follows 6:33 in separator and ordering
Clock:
8:10
